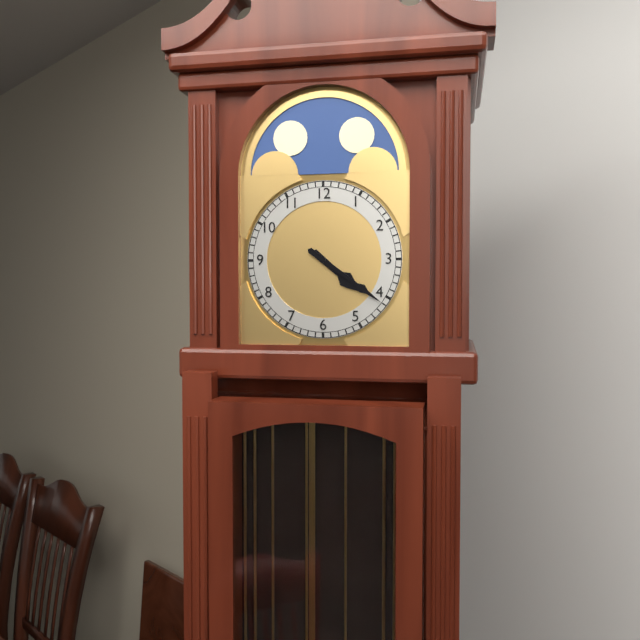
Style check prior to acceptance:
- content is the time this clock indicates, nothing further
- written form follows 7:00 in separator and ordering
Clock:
4:21
